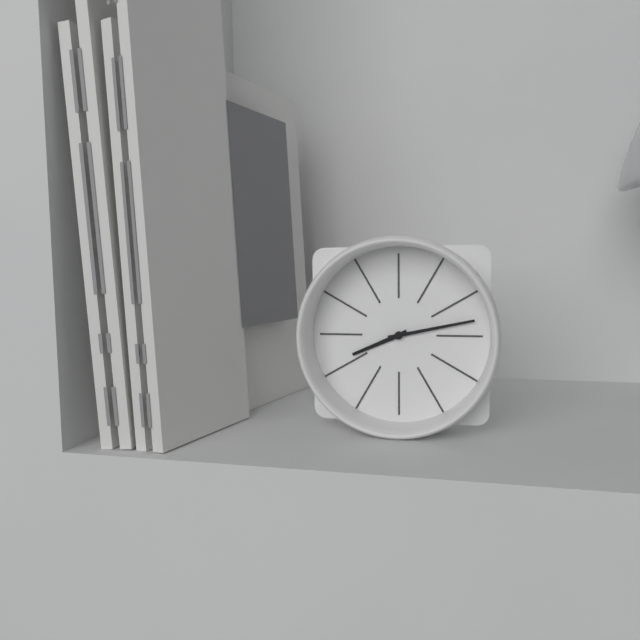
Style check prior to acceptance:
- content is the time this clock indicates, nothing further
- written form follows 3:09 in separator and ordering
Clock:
8:13
